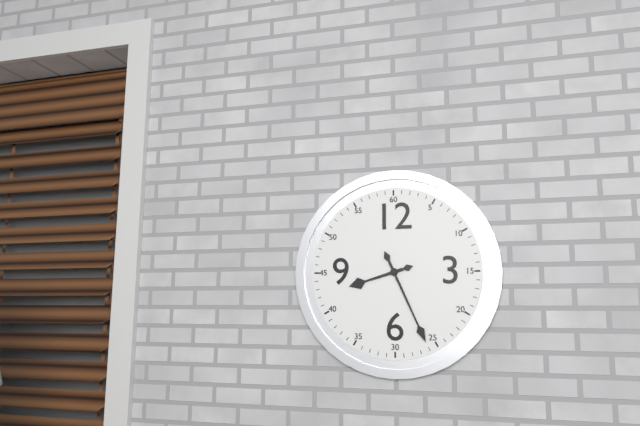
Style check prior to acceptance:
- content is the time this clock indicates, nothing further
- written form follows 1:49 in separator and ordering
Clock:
8:26
